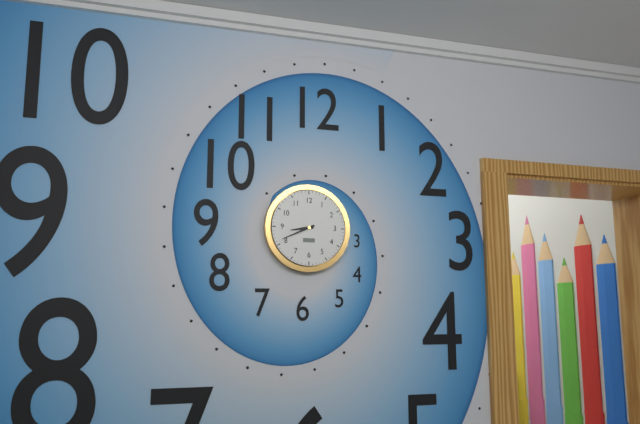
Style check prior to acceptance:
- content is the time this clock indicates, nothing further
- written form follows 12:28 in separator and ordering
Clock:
8:41
